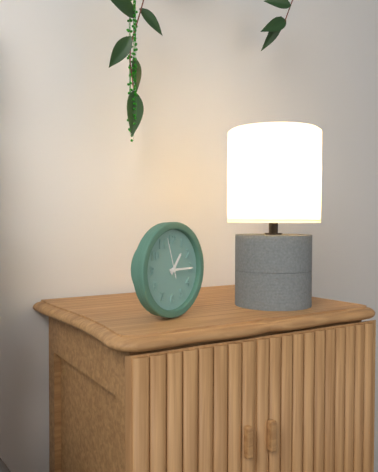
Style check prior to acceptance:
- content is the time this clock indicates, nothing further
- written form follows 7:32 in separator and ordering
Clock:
1:15
